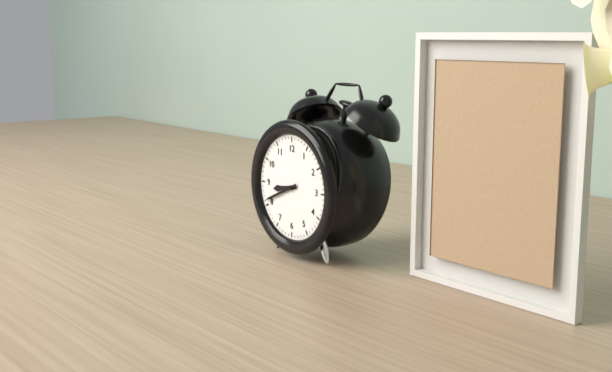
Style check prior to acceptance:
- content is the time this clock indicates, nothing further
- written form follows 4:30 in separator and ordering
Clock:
8:41
